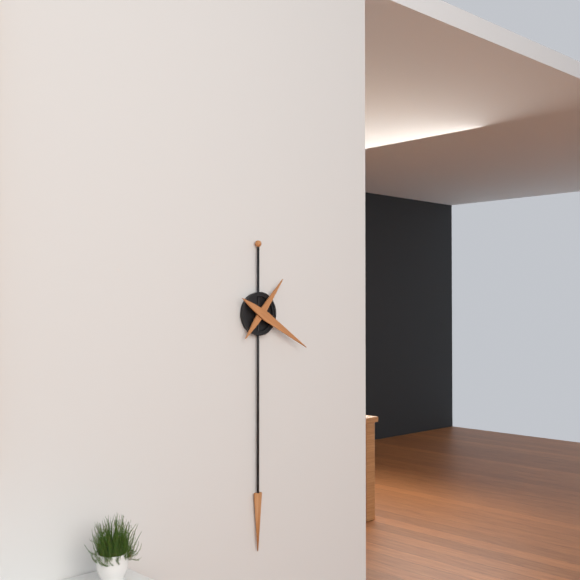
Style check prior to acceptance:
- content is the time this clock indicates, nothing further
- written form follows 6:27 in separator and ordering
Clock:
1:20
